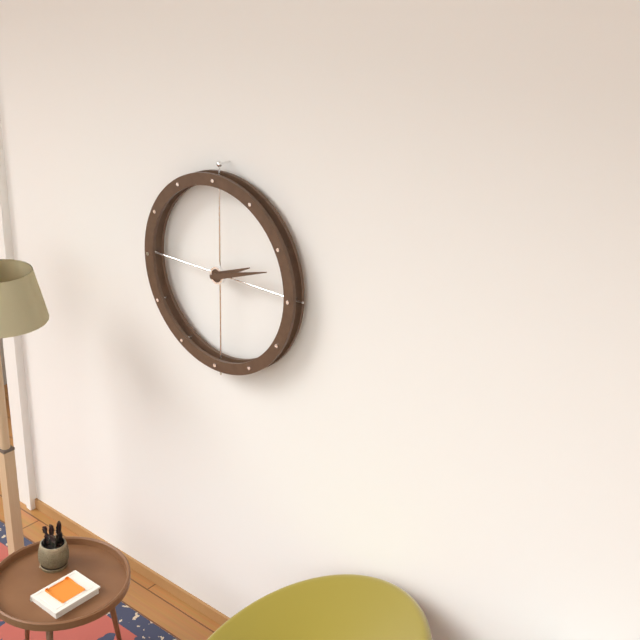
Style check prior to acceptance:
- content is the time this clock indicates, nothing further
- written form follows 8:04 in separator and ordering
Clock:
2:12
